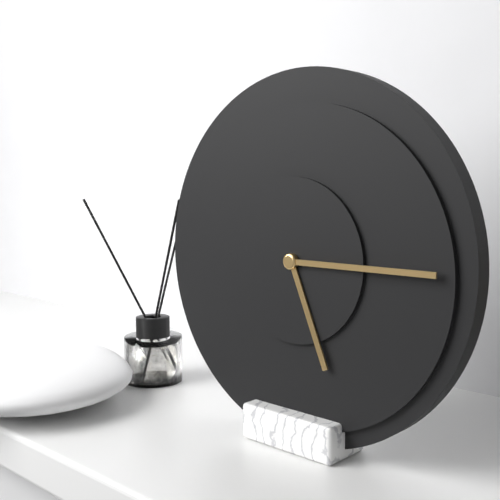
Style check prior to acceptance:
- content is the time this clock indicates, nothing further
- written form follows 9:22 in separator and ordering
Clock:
5:15
